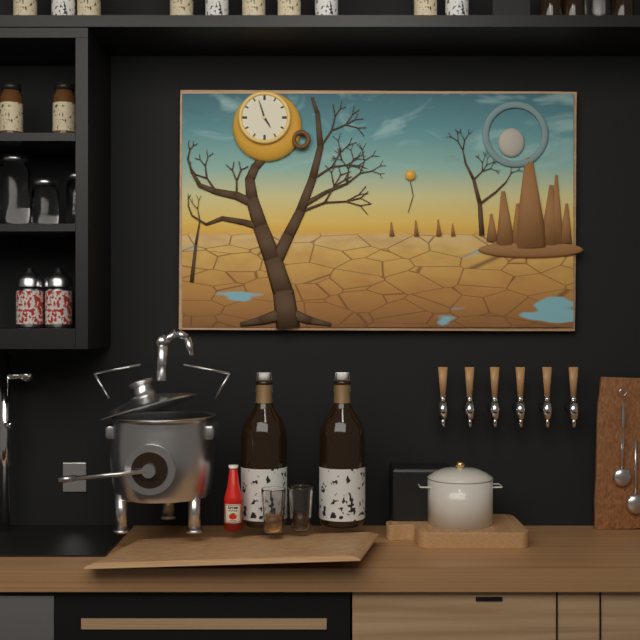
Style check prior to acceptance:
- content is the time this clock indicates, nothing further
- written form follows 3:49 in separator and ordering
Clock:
4:57
